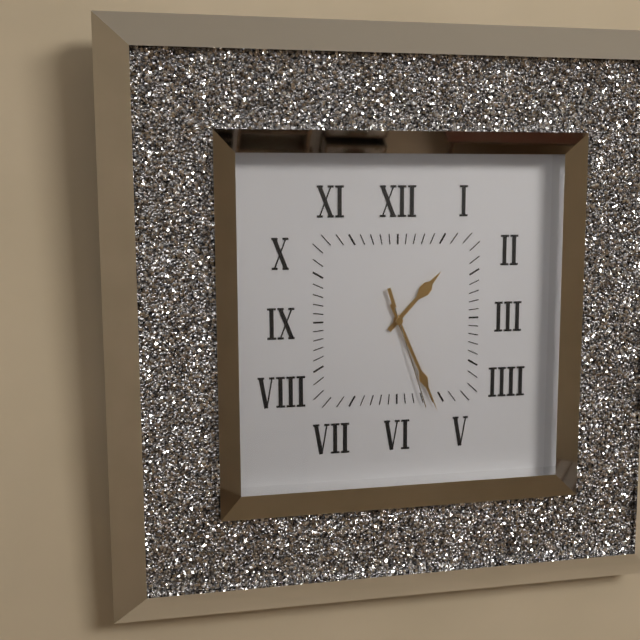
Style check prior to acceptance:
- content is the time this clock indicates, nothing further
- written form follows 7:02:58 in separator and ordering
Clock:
1:26:27
